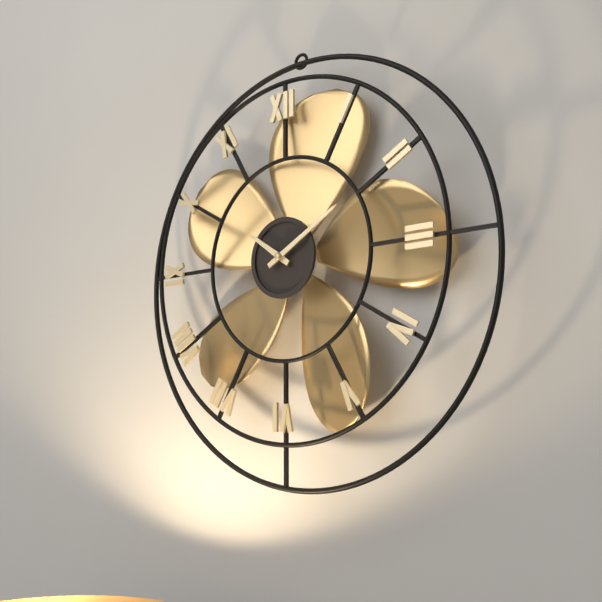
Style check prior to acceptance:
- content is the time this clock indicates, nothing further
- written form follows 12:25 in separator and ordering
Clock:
10:10
